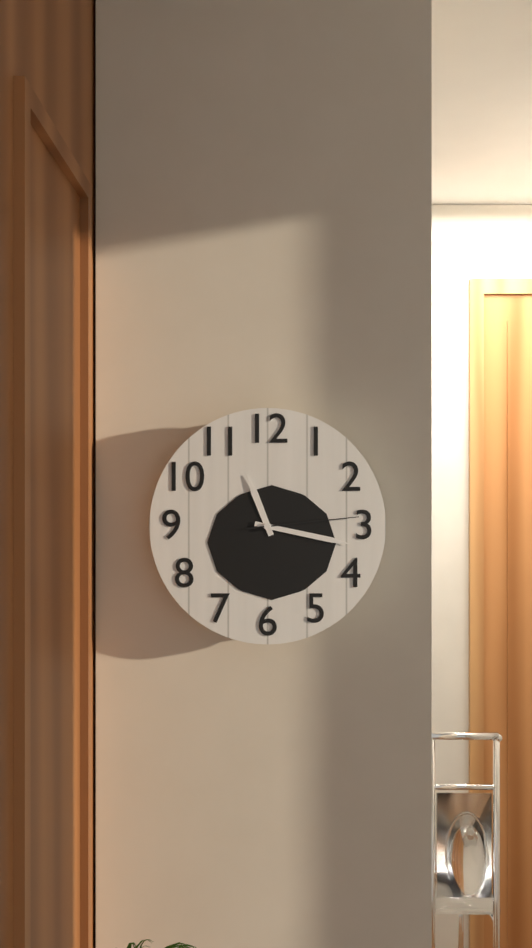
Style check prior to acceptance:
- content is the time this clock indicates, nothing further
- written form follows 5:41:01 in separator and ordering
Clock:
11:17:14
